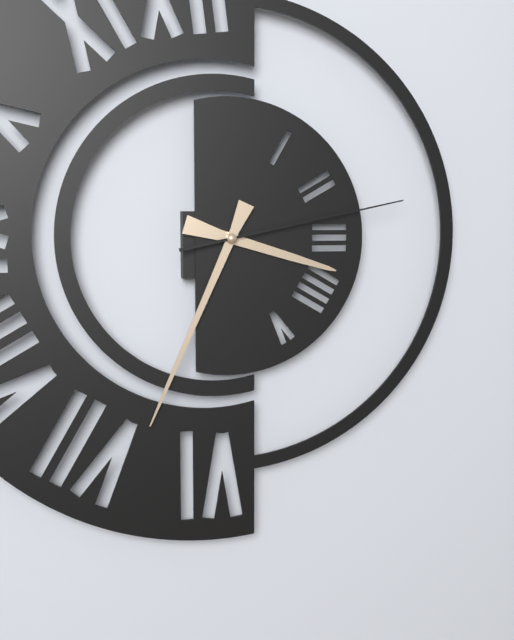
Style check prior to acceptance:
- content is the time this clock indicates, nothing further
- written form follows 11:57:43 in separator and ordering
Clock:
3:34:13
